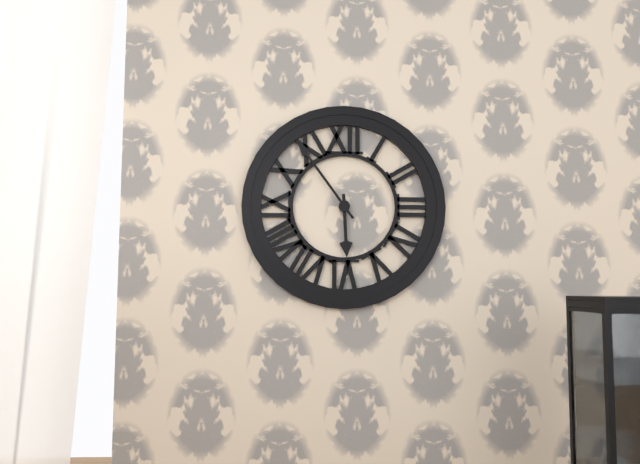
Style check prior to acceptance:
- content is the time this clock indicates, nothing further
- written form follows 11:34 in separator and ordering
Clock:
5:54
